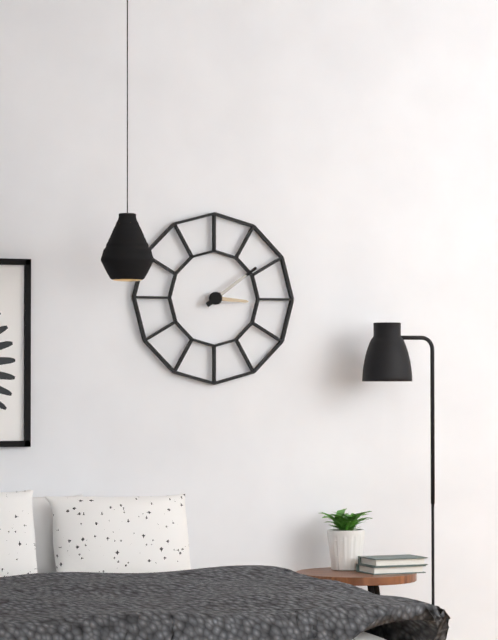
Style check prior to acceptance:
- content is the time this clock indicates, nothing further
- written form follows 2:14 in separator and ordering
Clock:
3:09
